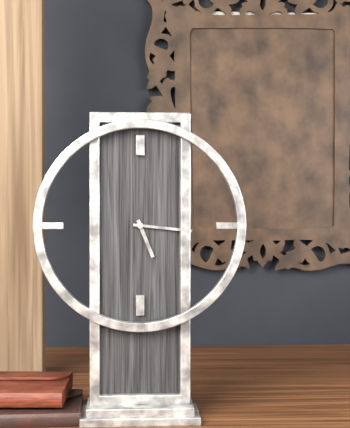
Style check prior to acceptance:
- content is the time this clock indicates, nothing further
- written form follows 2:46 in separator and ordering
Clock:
5:16
